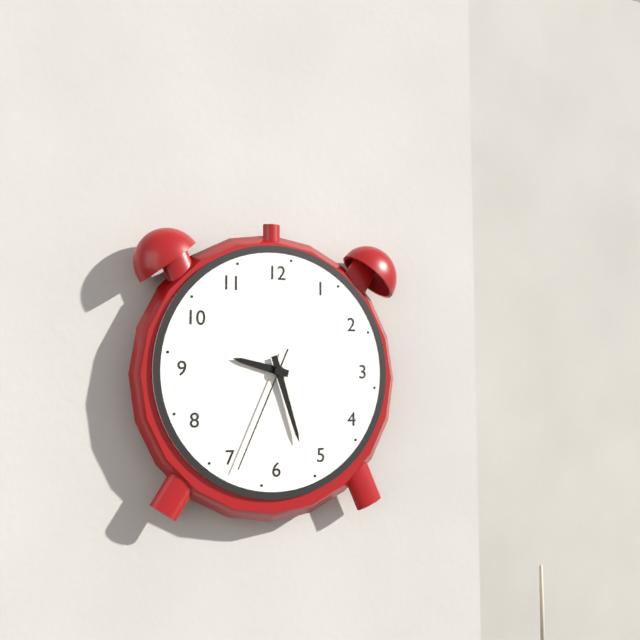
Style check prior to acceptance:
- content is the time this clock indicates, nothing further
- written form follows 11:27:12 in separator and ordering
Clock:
9:27:34
